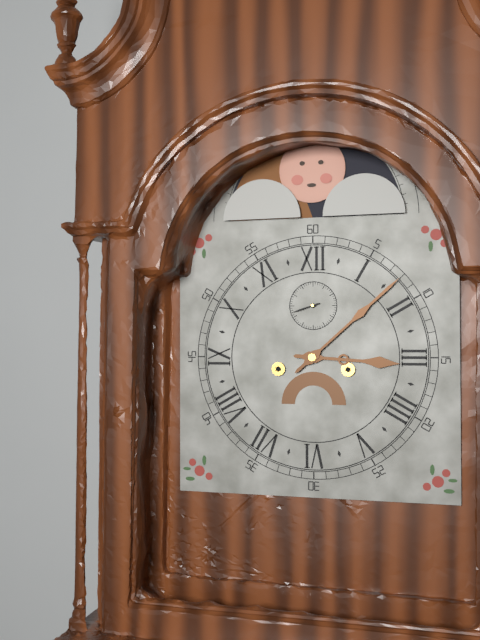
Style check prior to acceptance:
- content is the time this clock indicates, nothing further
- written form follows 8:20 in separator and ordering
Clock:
3:08
